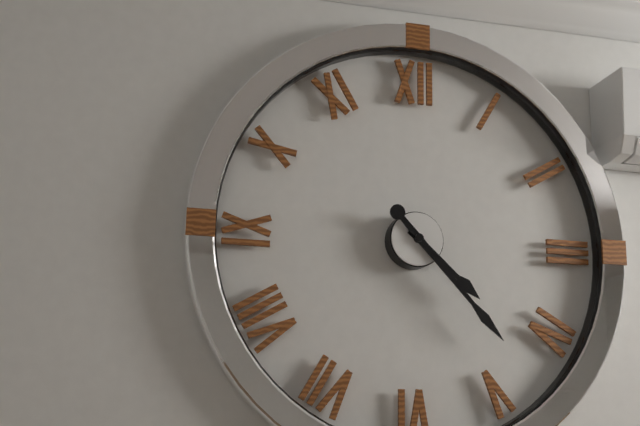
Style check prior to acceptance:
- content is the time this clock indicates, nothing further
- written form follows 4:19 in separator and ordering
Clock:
4:23
